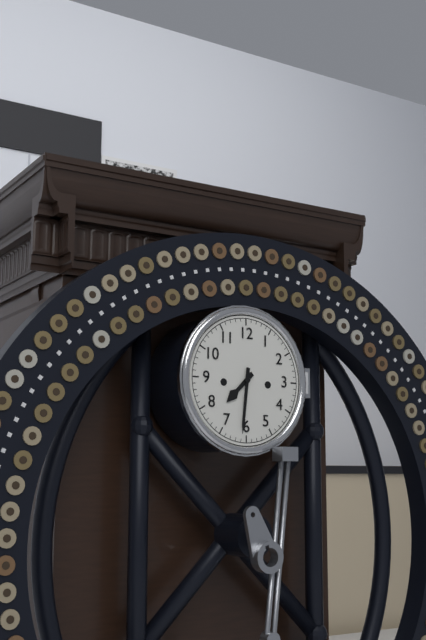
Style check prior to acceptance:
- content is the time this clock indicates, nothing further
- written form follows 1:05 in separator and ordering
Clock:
7:31
